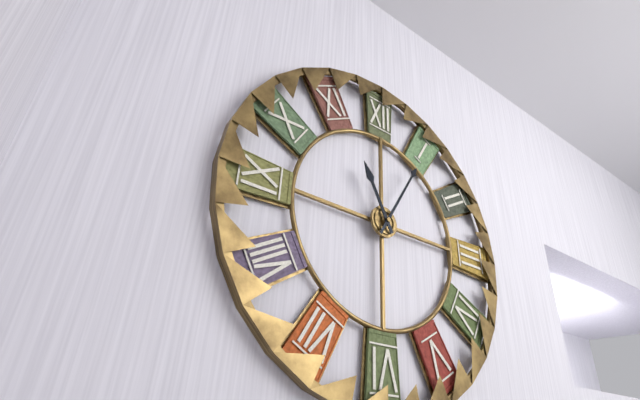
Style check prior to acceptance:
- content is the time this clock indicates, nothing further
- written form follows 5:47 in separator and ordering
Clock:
11:05
